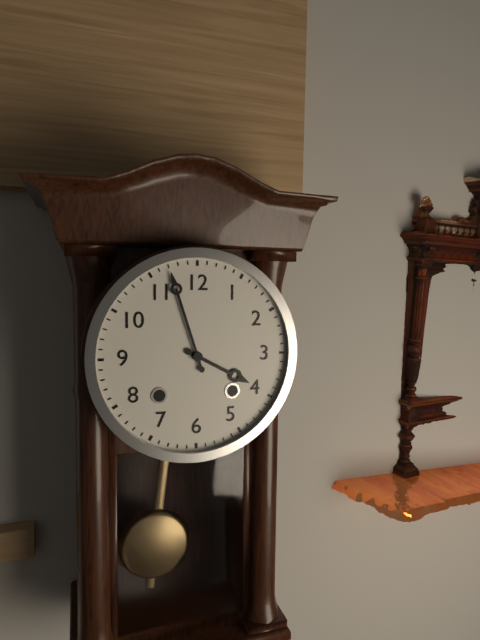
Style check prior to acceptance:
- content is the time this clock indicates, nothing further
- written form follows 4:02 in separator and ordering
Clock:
3:57
